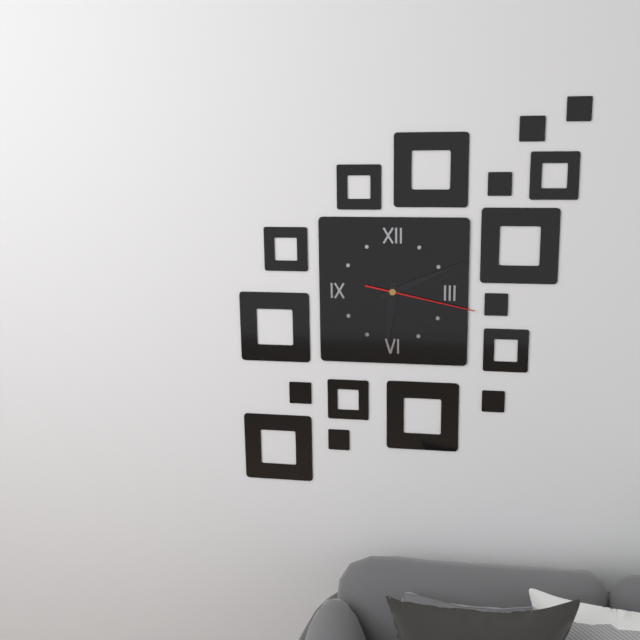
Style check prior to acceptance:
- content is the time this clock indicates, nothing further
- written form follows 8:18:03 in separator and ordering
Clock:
6:11:17
